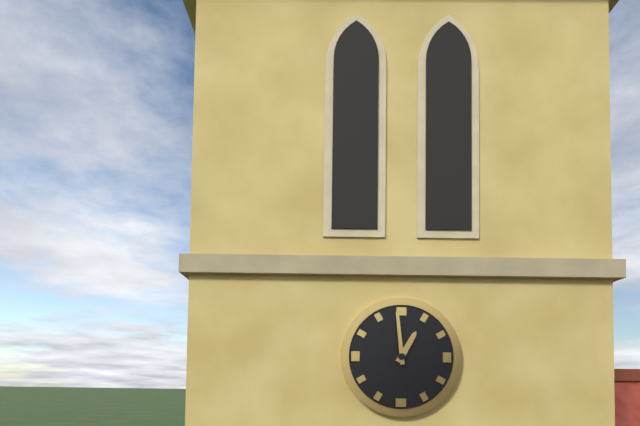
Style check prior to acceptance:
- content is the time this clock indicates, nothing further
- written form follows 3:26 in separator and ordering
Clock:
12:59
